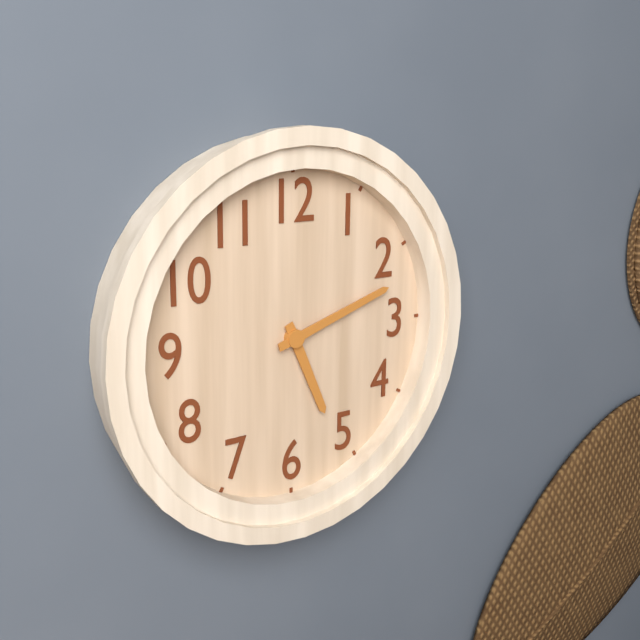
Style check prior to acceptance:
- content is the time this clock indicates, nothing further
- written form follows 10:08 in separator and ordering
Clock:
5:12
